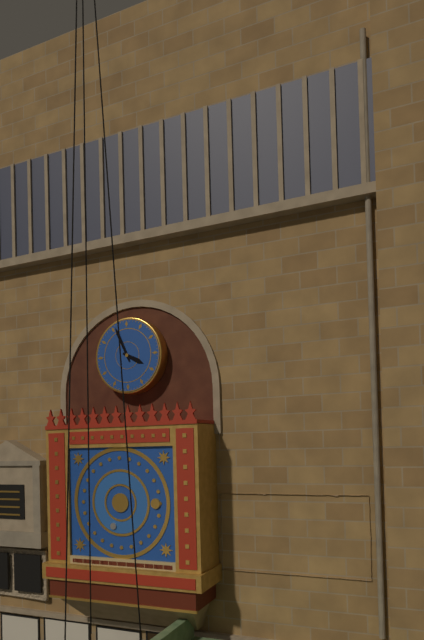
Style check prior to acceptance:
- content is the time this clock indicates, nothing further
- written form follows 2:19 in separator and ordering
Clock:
3:56
